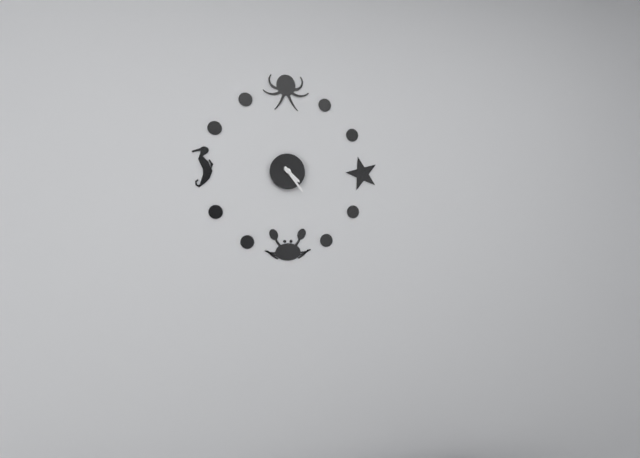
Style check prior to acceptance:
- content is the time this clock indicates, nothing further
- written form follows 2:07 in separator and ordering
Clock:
4:24
